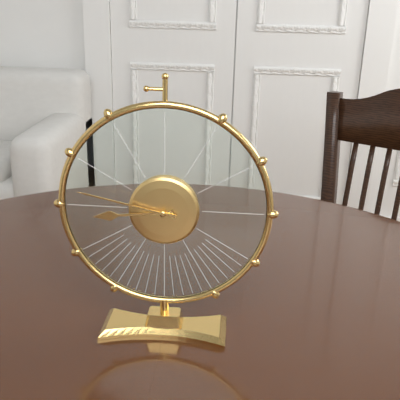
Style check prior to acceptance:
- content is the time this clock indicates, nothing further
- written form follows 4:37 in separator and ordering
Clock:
8:47
